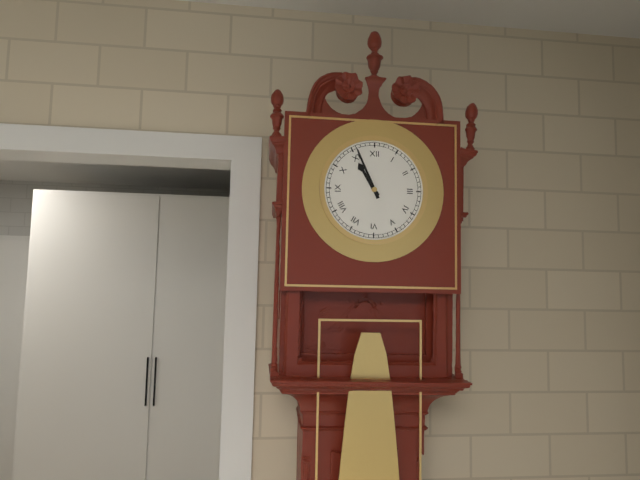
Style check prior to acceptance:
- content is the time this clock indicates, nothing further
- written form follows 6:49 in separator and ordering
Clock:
10:56
